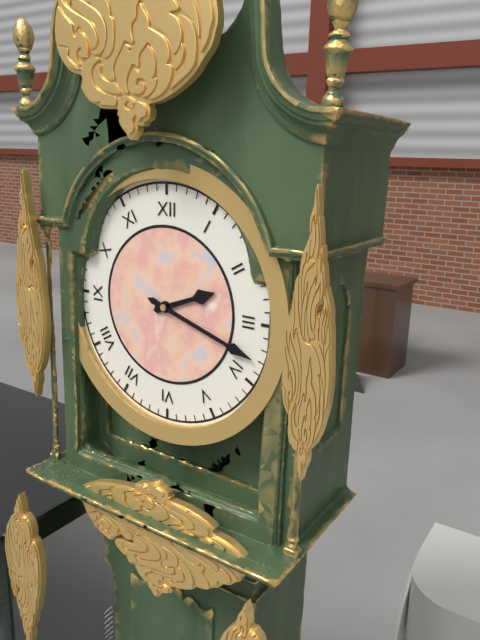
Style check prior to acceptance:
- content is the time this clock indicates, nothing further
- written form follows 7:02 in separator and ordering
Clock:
2:18
